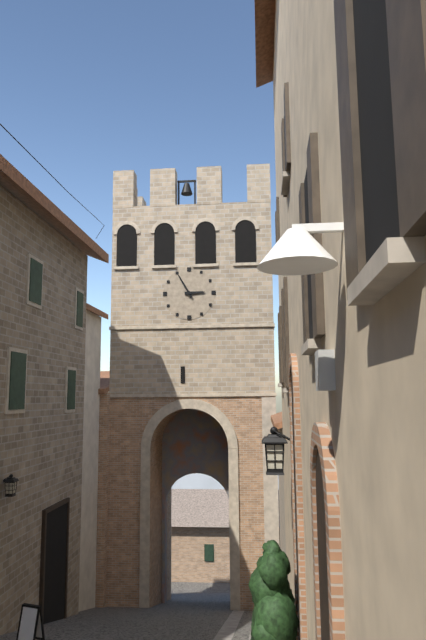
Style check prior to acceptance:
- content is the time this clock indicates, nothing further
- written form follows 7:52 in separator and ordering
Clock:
2:55
